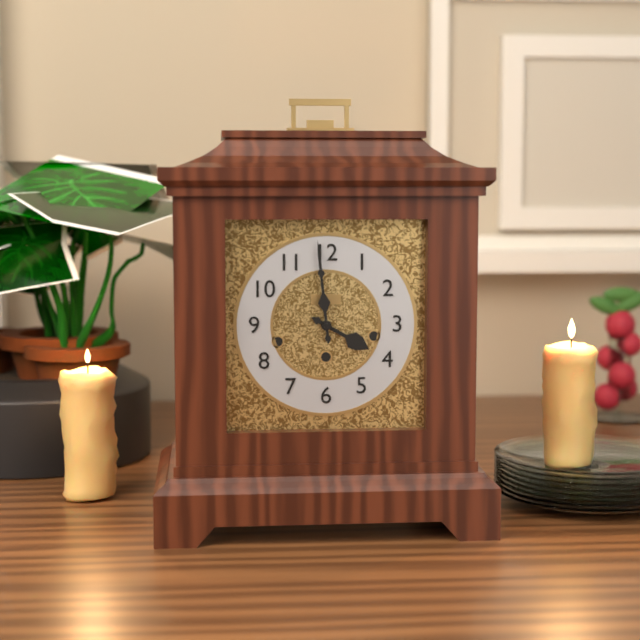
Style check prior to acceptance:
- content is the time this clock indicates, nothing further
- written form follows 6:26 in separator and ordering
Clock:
3:59
